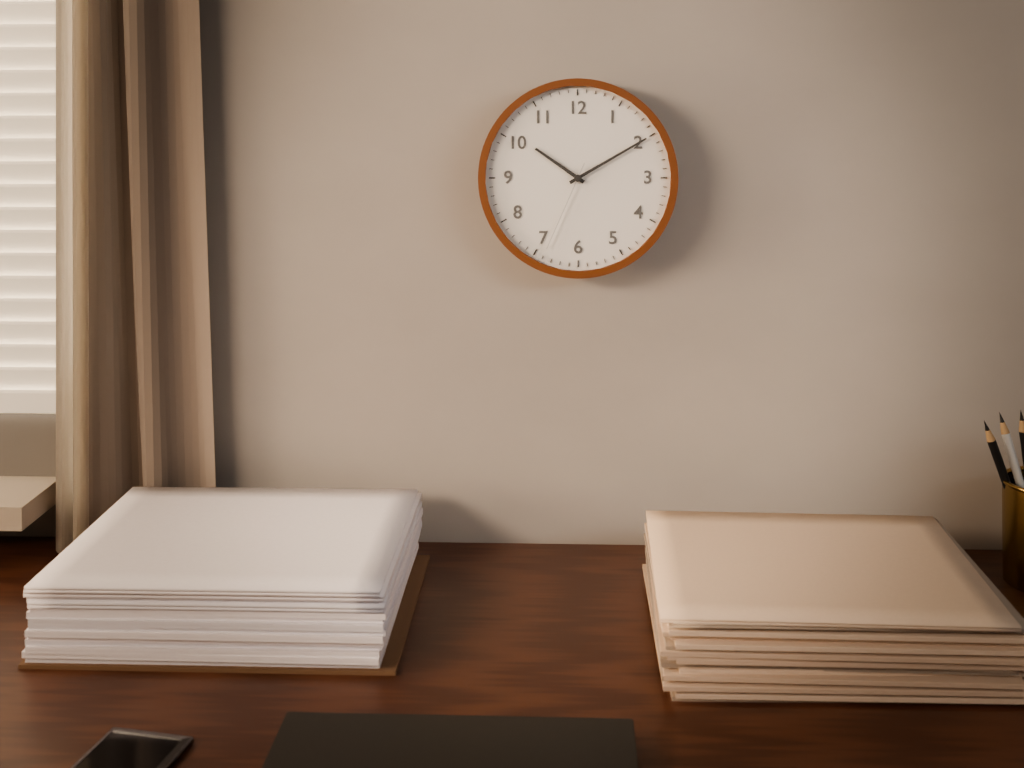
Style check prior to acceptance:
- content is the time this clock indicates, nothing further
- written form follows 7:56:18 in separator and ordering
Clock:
10:10:34
